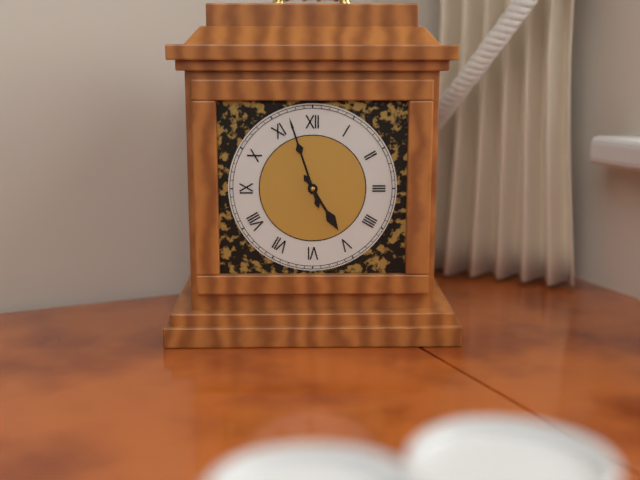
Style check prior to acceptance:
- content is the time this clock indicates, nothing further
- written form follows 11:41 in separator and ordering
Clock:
4:57
